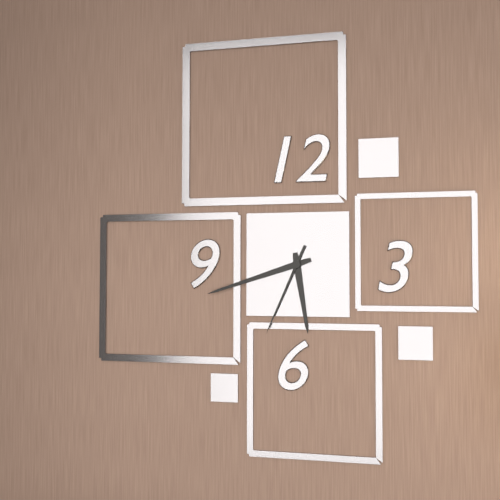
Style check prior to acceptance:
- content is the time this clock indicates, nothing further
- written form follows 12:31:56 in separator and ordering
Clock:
5:42:34
